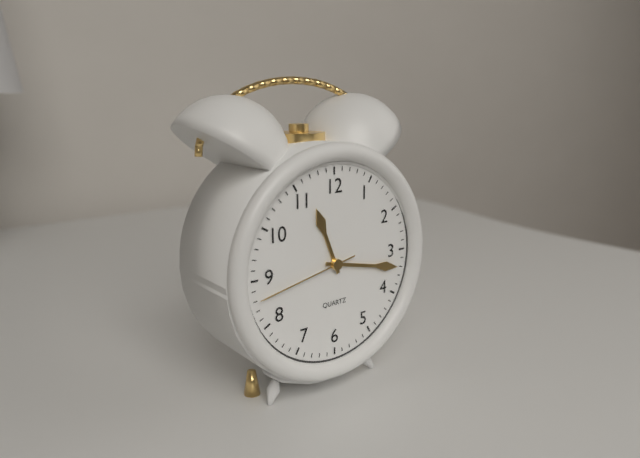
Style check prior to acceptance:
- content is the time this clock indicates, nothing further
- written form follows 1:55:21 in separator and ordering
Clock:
11:17:43
